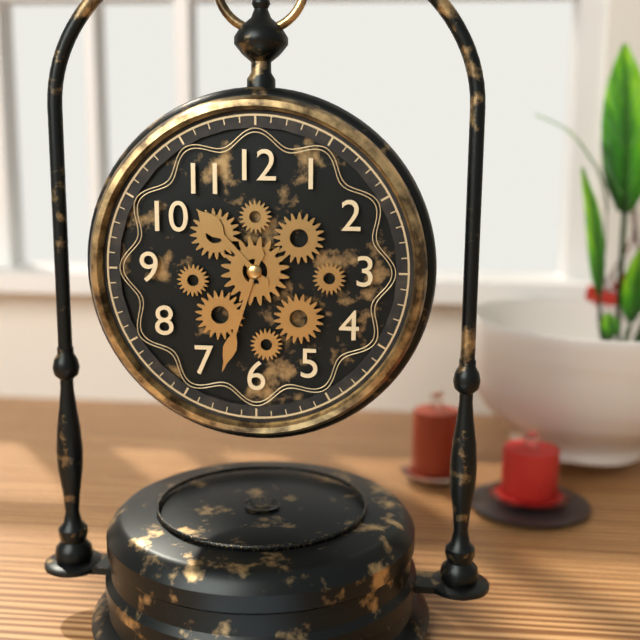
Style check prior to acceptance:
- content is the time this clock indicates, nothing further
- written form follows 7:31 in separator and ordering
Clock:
10:33
